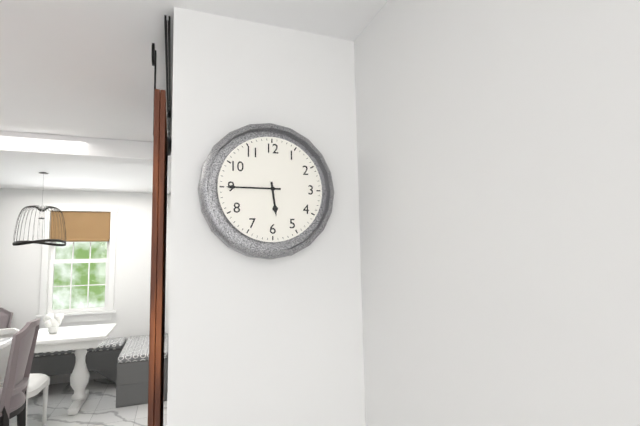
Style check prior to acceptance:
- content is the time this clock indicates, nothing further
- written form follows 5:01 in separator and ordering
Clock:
5:45
